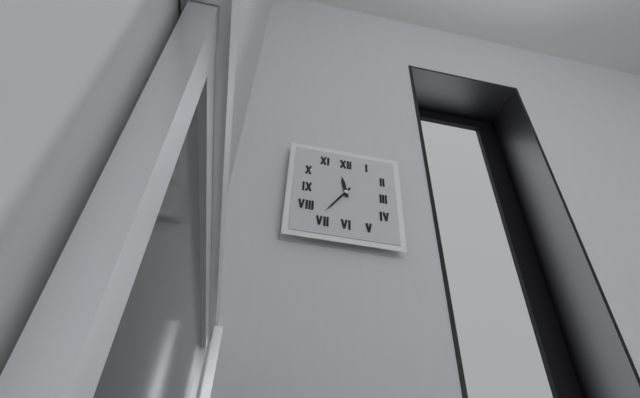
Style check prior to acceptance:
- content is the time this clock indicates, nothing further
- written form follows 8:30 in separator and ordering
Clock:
11:36
